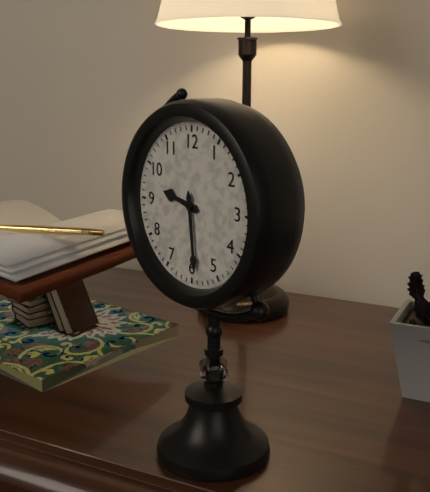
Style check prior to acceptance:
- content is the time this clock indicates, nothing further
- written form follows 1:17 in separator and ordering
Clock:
9:29
